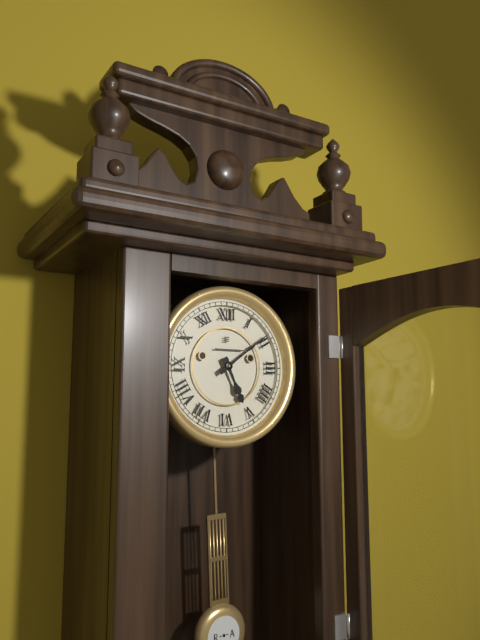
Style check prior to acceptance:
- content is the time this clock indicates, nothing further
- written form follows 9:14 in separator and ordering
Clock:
5:09
